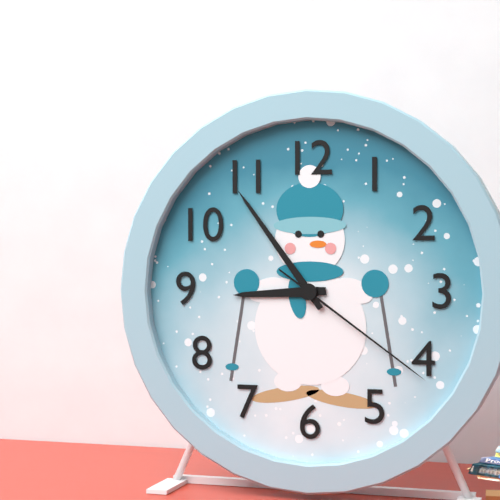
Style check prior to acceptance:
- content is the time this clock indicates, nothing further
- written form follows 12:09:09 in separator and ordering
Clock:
8:54:21
